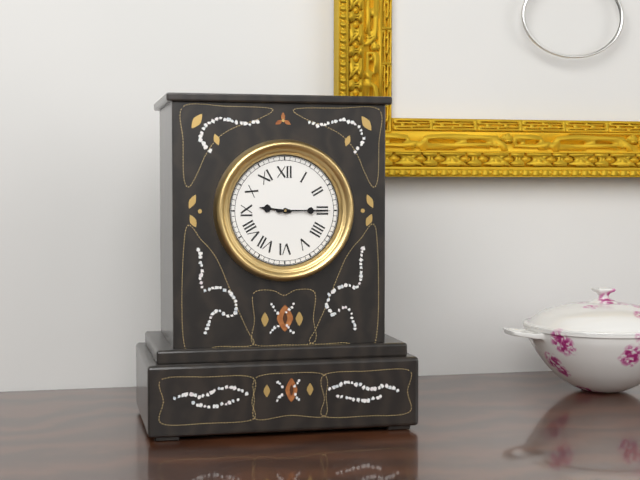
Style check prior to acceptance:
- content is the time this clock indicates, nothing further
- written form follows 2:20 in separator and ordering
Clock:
9:15
